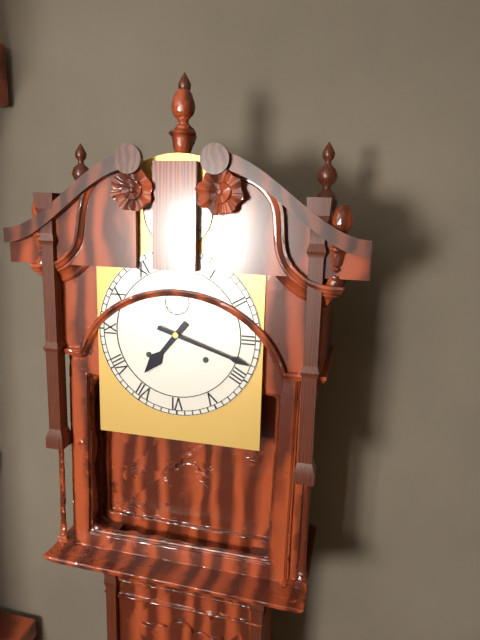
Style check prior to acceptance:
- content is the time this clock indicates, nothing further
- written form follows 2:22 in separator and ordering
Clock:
7:18
